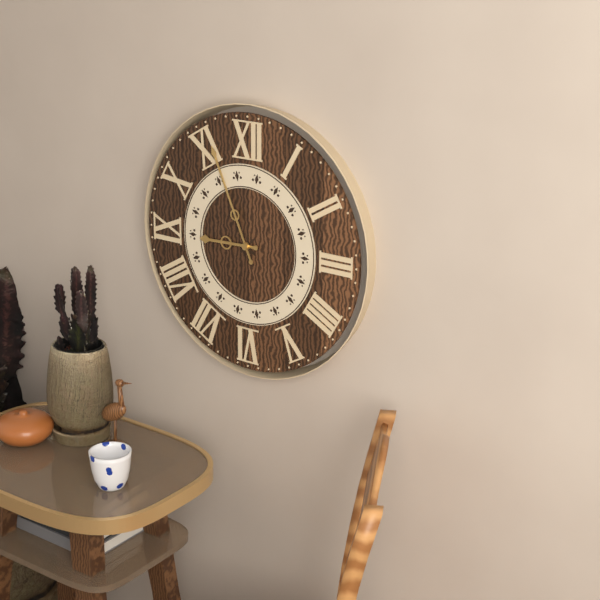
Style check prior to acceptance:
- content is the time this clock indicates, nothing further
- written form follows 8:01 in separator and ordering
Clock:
8:56
